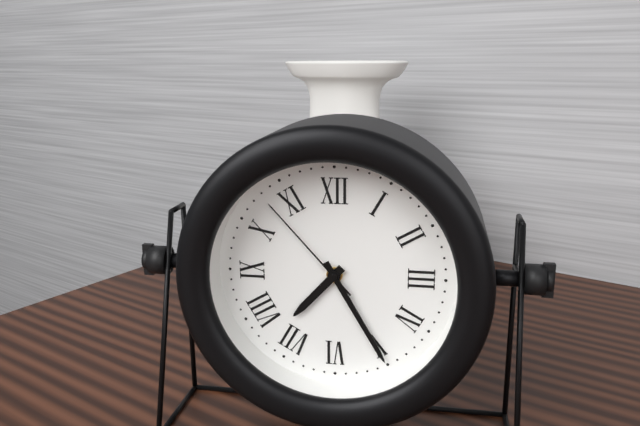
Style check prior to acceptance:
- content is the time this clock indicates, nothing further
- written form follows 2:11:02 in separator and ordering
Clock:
7:25:53
